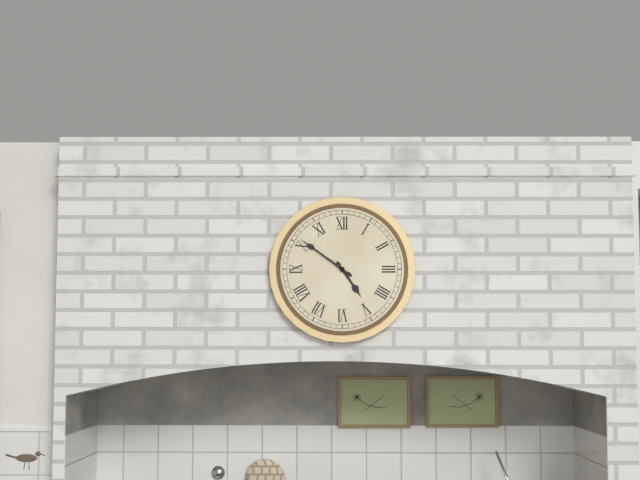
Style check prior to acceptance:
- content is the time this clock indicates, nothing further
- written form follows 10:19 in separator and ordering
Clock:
4:51
